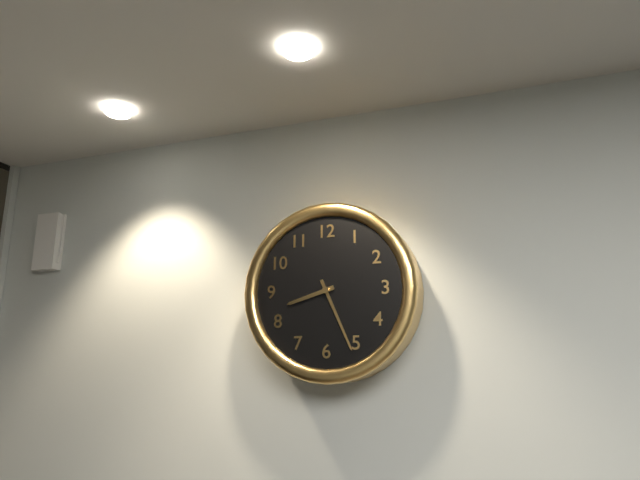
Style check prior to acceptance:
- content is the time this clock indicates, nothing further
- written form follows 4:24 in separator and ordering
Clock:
8:26
